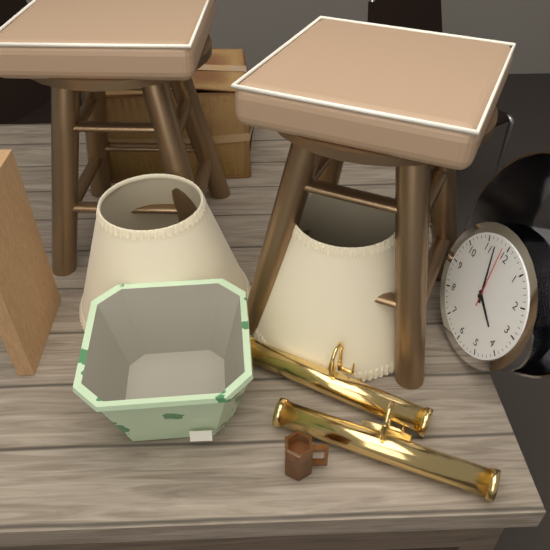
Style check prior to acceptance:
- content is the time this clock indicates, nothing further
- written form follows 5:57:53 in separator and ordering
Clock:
3:57:59
